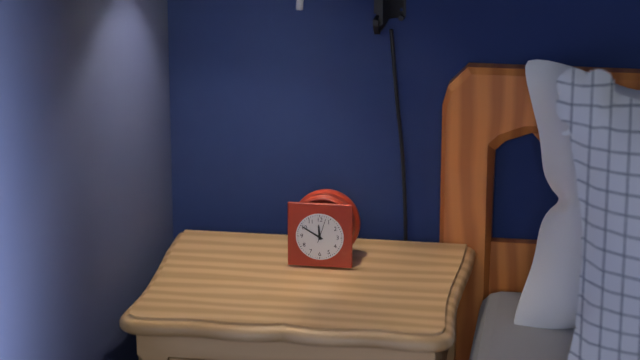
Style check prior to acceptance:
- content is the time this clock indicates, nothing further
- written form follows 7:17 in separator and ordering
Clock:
11:50
